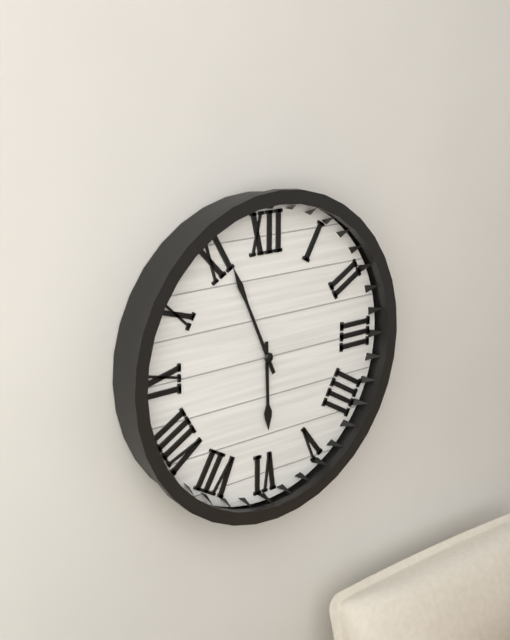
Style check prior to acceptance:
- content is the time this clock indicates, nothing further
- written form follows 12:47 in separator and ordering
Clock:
5:56
